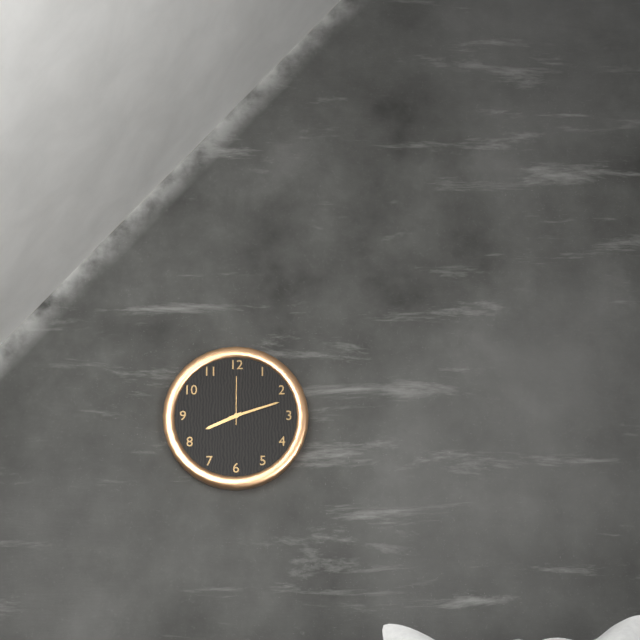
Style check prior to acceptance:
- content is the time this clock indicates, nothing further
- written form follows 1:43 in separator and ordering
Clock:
8:12
